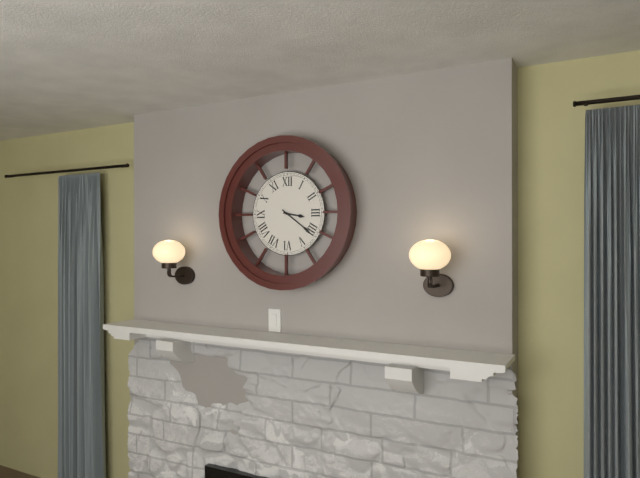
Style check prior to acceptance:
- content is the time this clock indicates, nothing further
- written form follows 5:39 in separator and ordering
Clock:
3:21
